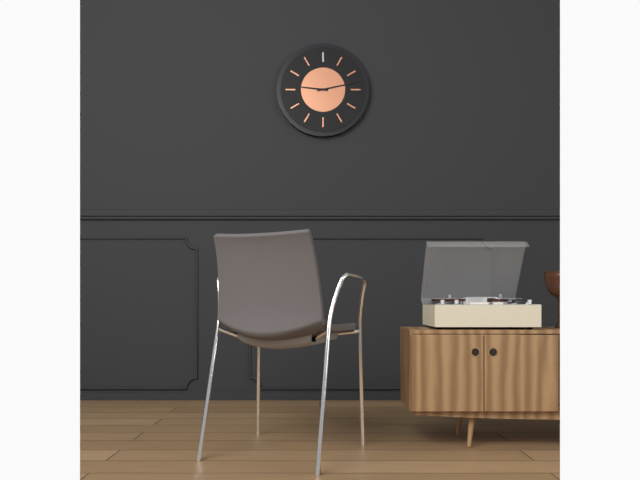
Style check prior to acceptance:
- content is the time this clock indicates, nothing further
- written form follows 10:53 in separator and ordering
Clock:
9:13
